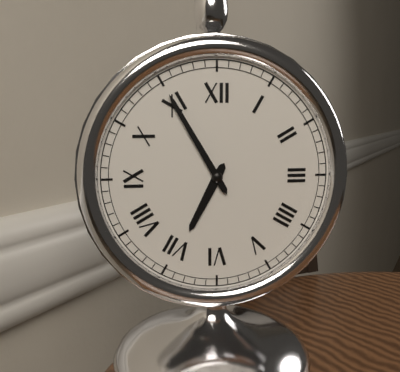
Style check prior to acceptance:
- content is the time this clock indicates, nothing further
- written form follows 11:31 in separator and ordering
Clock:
6:55
